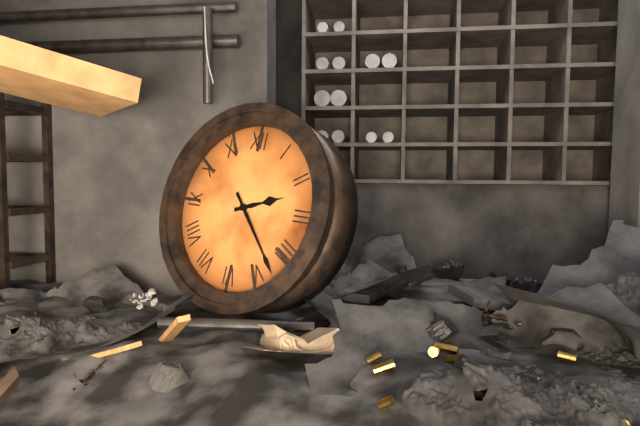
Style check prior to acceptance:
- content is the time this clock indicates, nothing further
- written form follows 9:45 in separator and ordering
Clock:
2:23
